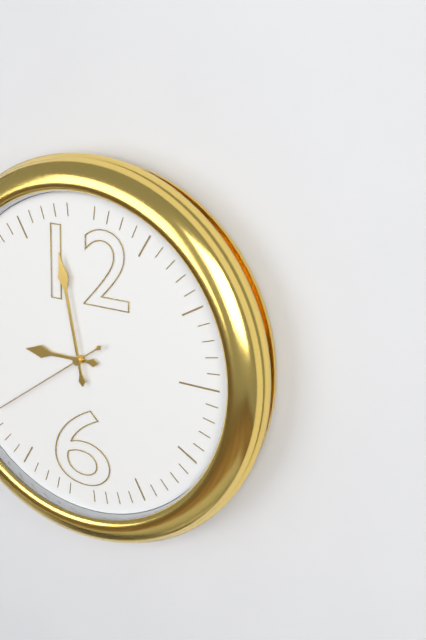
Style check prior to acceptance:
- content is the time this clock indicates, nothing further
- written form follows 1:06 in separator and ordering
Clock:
8:58
